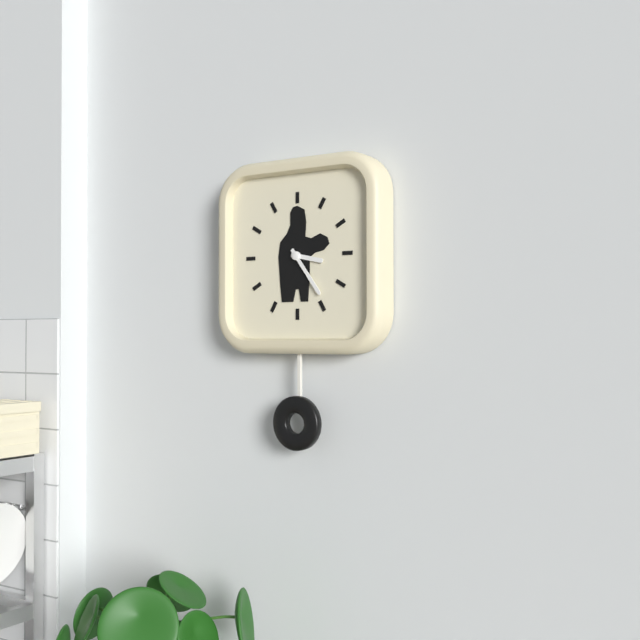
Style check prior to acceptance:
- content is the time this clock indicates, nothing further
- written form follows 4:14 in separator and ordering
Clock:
3:24
